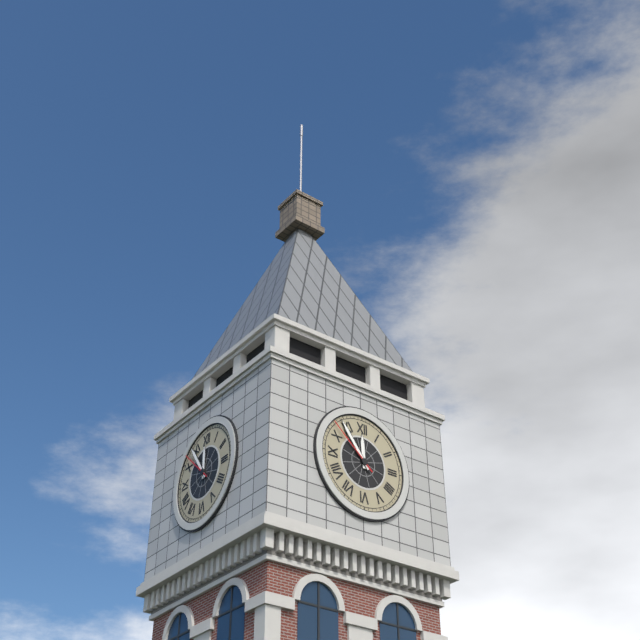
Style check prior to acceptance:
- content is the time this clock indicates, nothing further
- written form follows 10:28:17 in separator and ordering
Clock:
11:54:52
